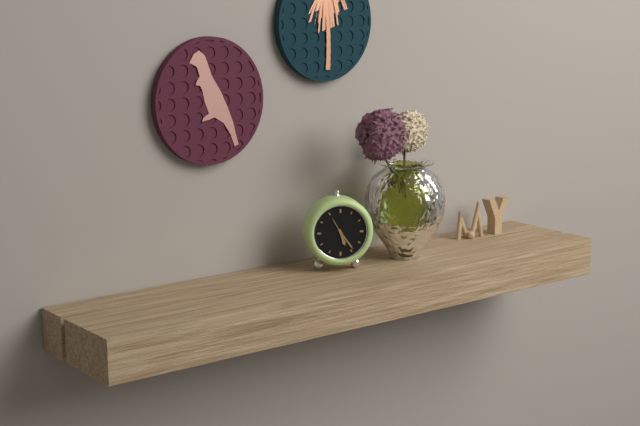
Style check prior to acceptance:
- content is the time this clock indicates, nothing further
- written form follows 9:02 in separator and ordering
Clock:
5:24
